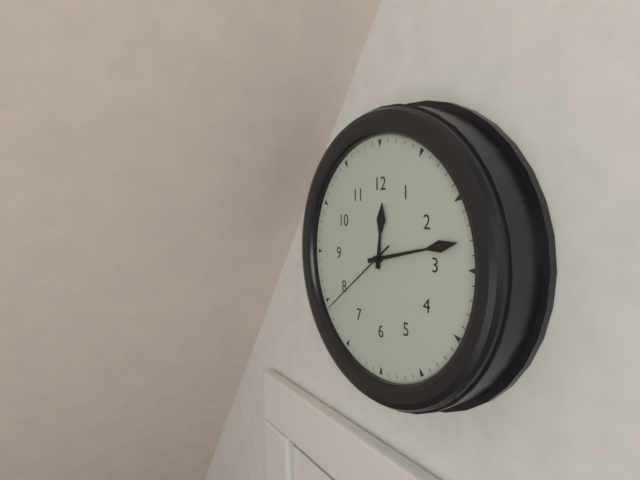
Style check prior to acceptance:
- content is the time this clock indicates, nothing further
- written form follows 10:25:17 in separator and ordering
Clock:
12:13:39
